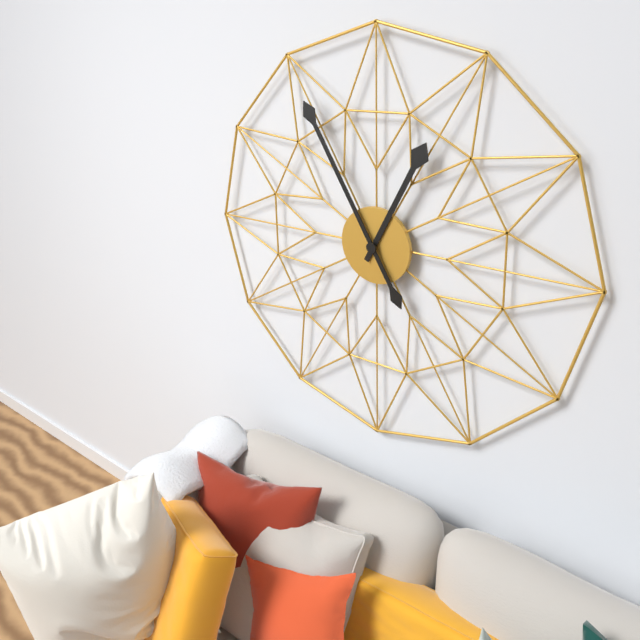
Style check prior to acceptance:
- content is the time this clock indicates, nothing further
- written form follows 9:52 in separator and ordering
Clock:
12:55
